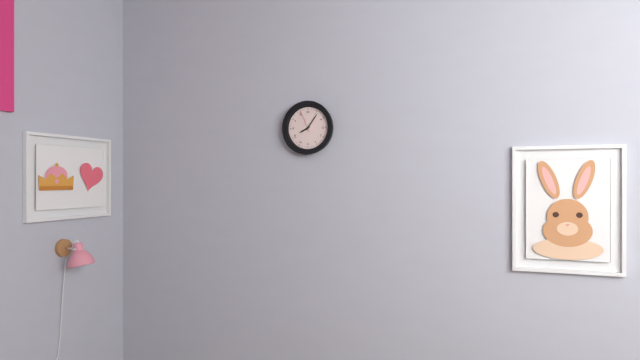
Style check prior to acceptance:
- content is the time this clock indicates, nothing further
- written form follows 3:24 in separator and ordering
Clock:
8:06
